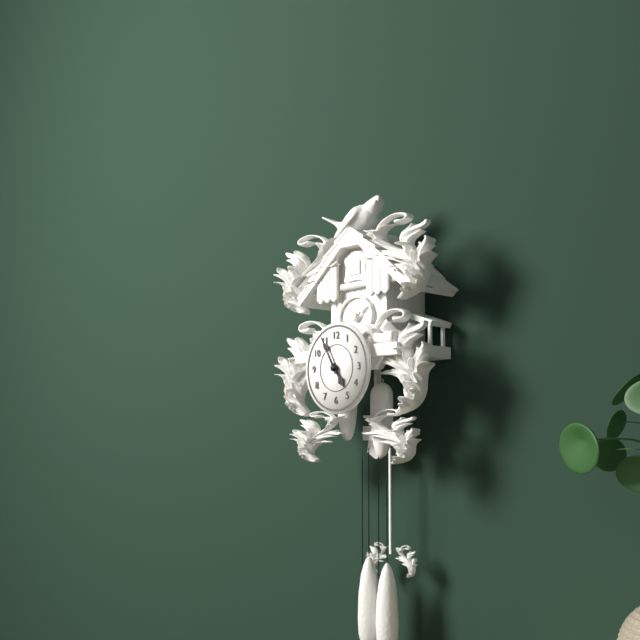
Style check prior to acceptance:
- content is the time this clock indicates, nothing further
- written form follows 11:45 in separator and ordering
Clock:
4:55
